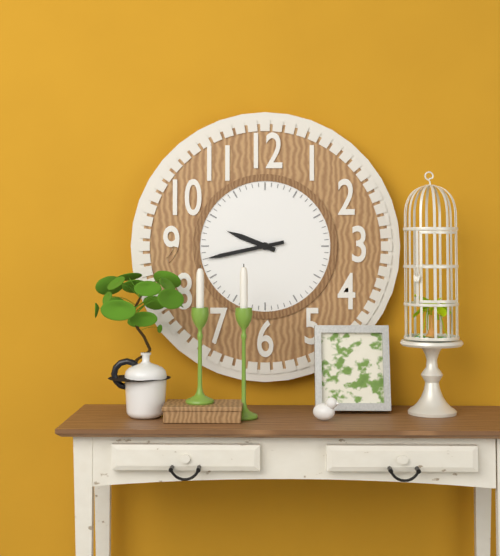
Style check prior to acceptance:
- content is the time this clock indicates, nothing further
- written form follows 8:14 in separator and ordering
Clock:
9:43
